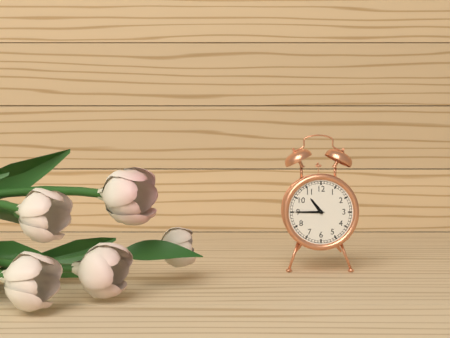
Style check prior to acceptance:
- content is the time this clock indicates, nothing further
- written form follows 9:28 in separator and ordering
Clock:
10:45
